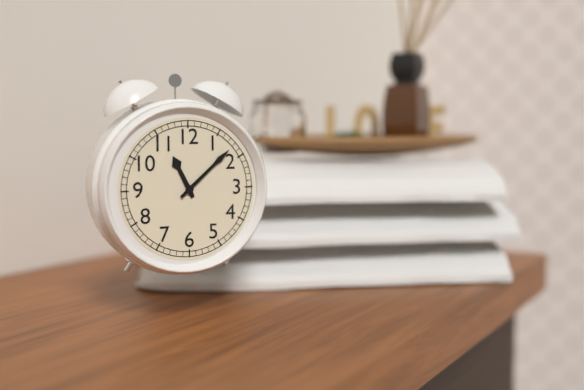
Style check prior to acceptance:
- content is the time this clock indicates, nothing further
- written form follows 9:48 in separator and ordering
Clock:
11:08
